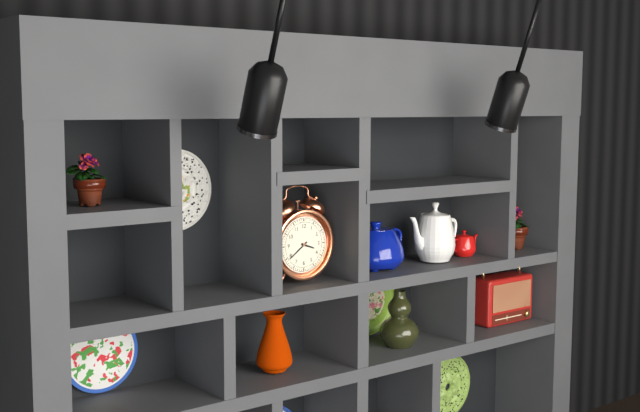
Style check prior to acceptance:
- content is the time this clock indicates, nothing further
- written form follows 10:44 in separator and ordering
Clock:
3:39
